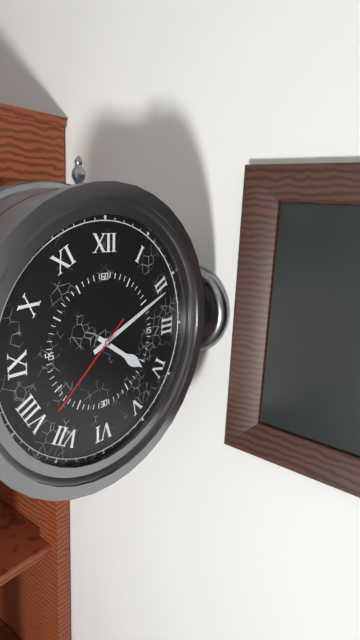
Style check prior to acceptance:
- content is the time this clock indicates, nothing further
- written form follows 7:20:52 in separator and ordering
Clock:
4:11:38
